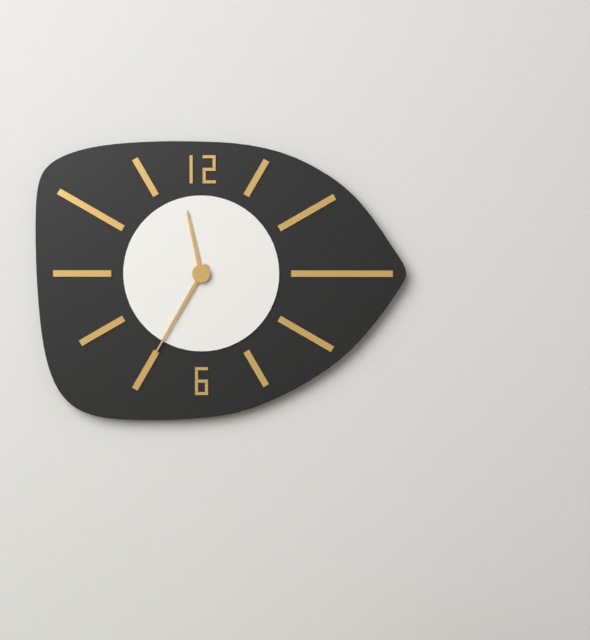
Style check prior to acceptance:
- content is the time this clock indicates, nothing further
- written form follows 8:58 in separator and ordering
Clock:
11:35
